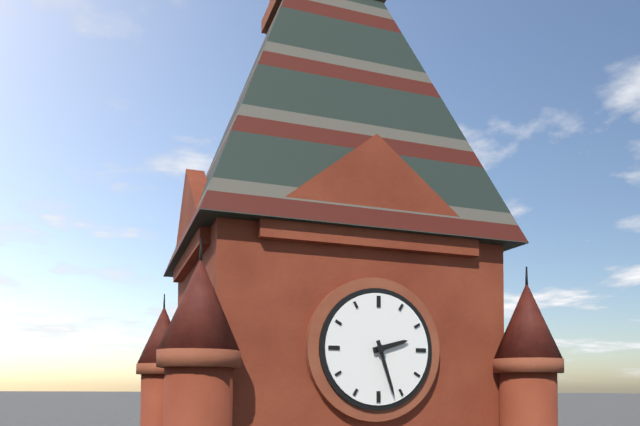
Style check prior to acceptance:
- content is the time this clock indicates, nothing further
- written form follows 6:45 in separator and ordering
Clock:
2:27
